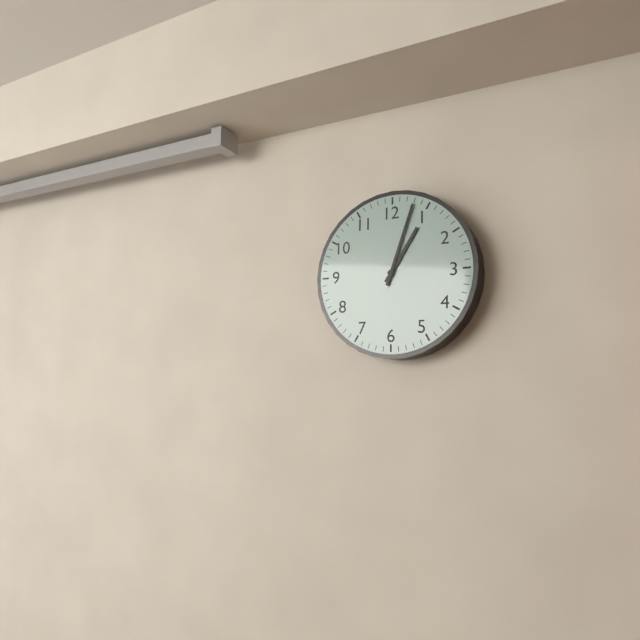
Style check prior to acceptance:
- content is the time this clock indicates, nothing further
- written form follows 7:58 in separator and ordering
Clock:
1:03
